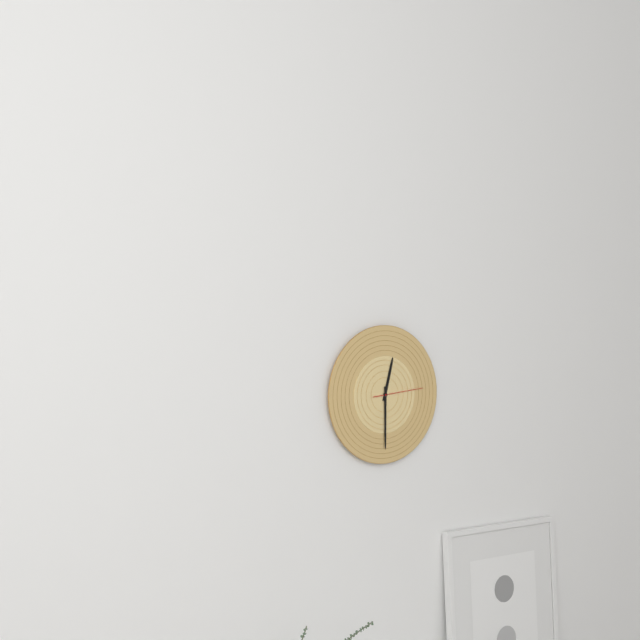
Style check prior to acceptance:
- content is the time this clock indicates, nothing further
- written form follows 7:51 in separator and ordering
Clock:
12:30
